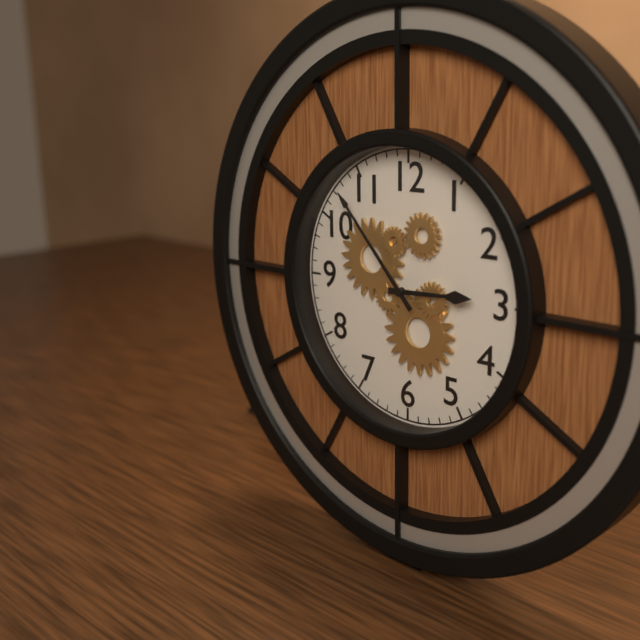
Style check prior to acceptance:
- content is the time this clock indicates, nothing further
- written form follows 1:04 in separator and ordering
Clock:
2:53
